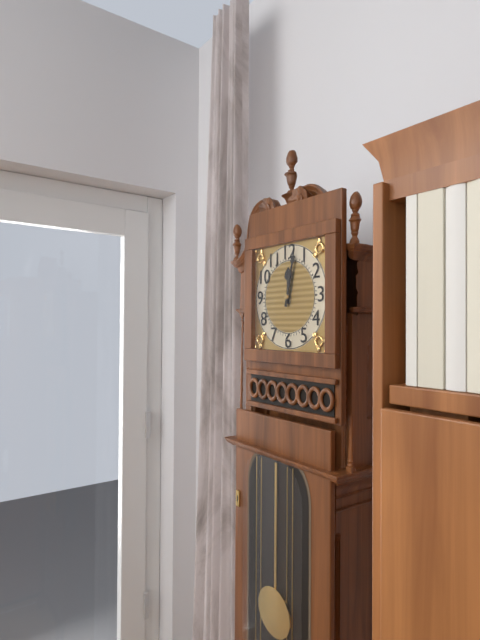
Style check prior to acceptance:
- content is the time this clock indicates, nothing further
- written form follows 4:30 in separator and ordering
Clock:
12:02
